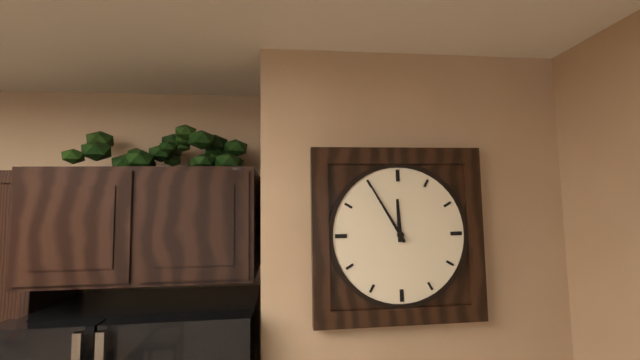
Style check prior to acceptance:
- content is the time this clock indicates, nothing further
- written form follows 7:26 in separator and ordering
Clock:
11:55
